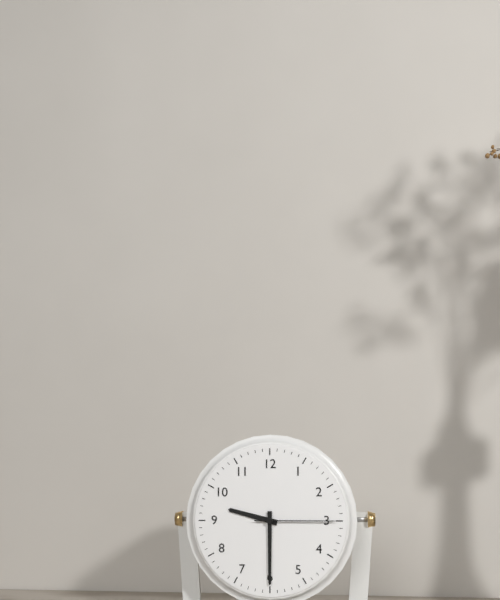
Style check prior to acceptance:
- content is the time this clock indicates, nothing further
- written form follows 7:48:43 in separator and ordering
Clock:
9:30:15
